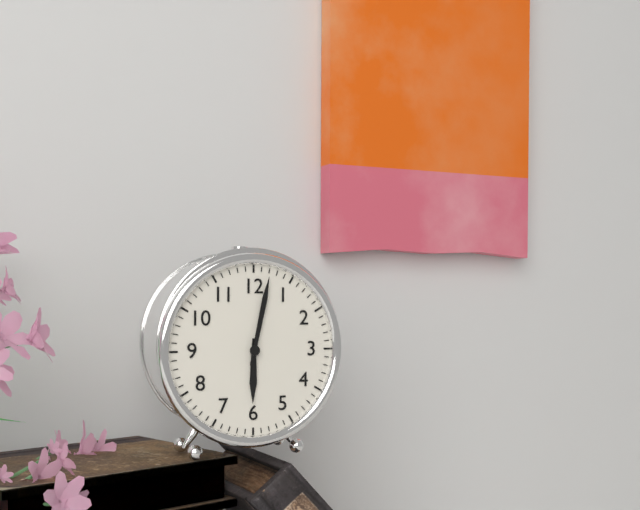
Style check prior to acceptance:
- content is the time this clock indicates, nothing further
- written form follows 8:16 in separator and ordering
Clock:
6:02
